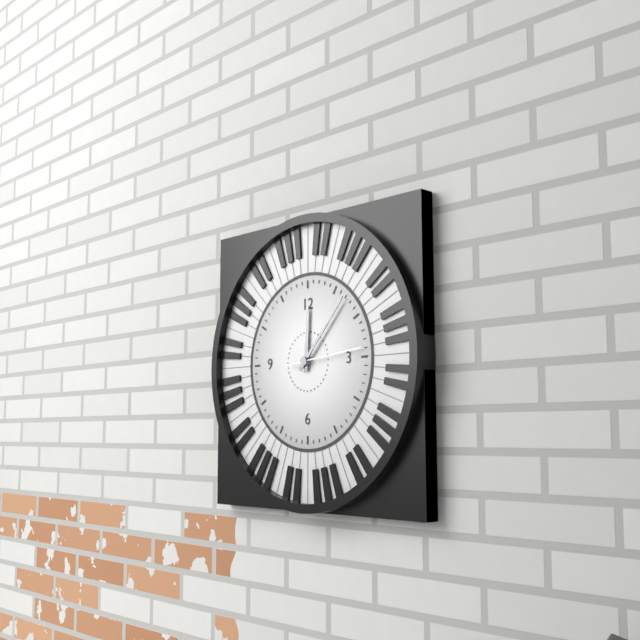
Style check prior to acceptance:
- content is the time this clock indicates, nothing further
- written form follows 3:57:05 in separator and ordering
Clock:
12:07:14
